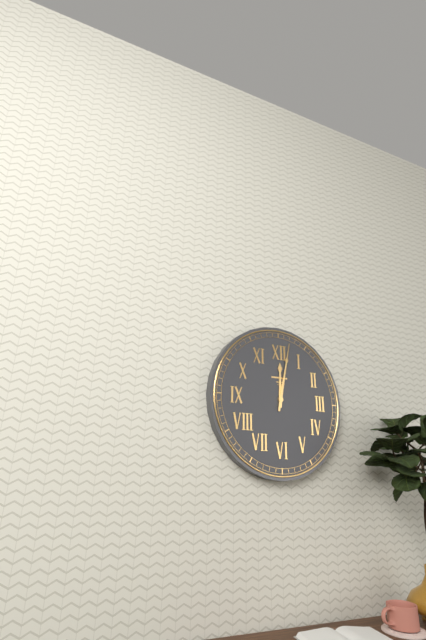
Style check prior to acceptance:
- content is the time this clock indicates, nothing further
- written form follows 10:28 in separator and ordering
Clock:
12:02
